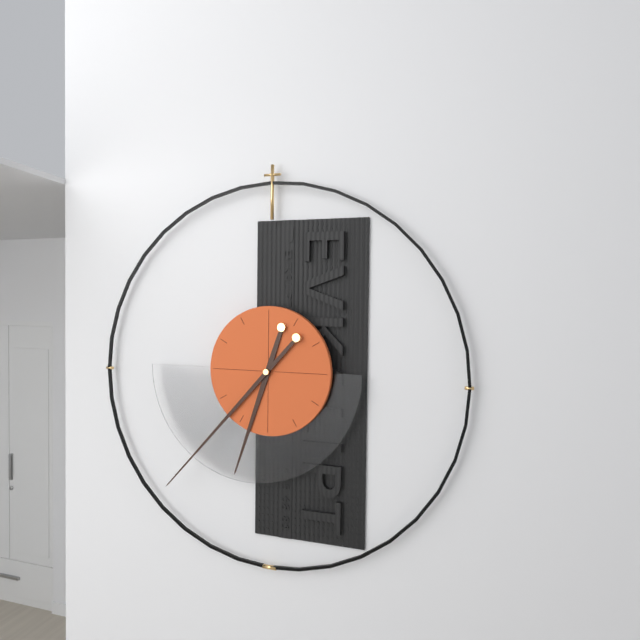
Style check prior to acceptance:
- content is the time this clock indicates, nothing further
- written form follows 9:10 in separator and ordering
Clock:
6:37
